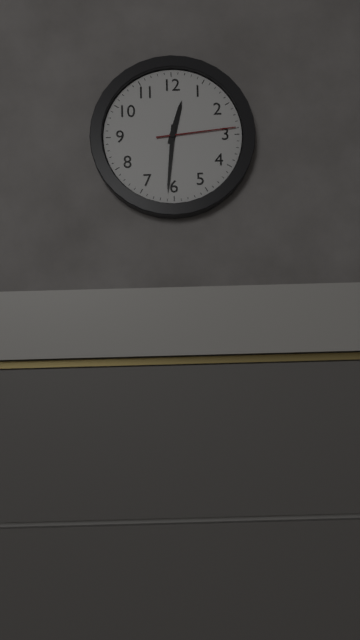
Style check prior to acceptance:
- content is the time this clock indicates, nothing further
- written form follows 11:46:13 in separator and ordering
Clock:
12:31:14
